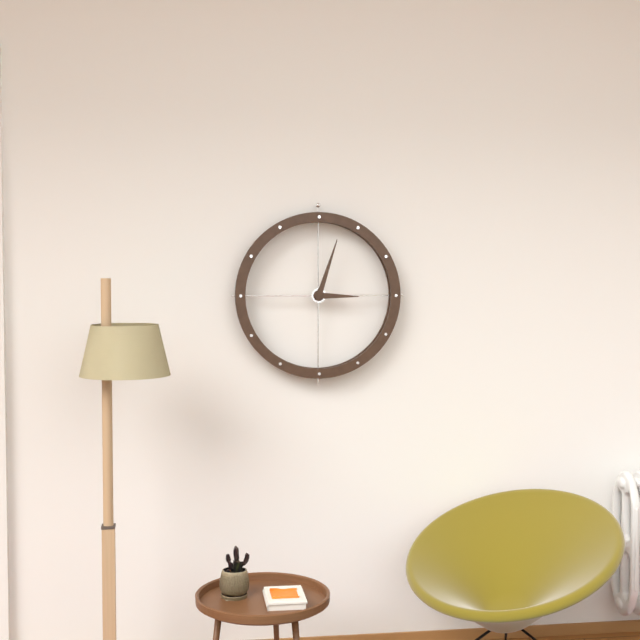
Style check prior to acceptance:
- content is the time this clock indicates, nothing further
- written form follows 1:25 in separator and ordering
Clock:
3:03
